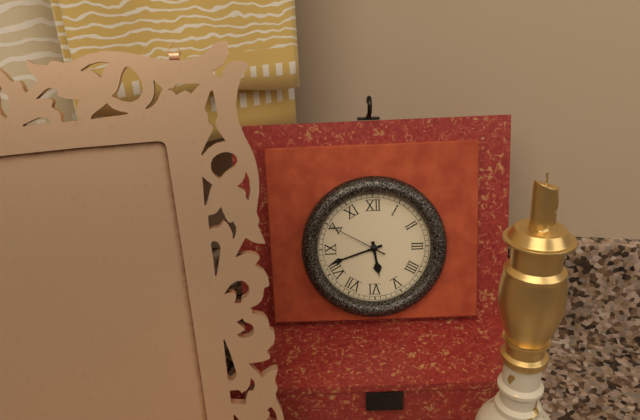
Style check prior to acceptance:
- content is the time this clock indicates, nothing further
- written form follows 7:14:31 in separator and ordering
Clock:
5:42:50
